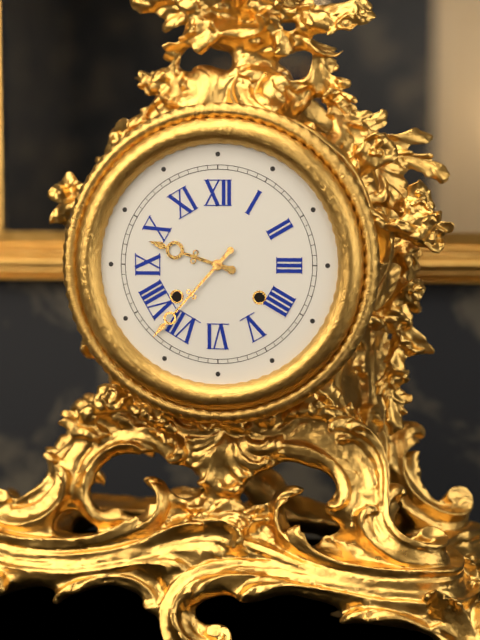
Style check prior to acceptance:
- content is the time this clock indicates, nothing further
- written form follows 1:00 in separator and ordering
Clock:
9:37
